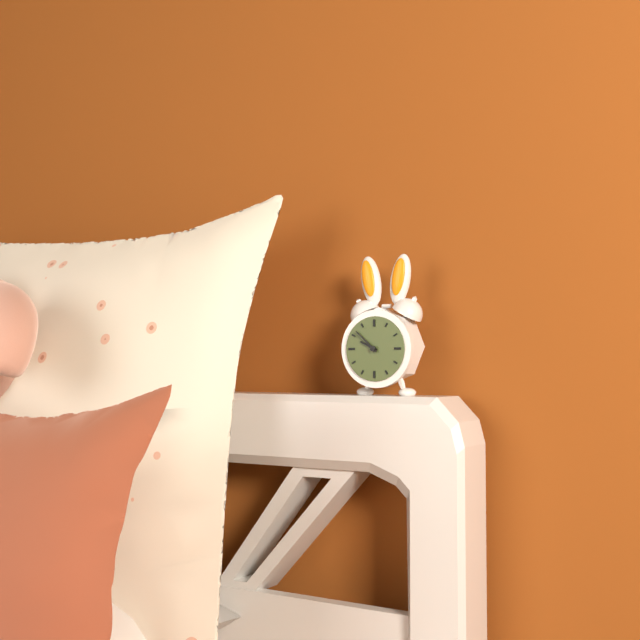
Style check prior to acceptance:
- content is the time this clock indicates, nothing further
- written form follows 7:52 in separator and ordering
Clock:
9:52
